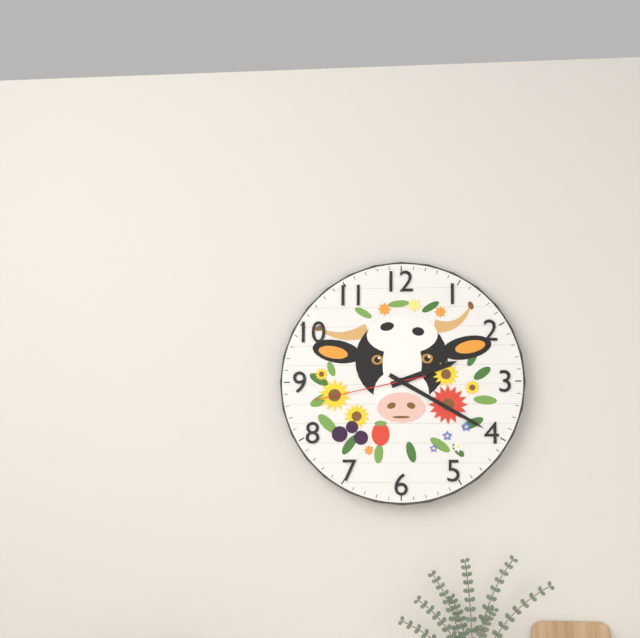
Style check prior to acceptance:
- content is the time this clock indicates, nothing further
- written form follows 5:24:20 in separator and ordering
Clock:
2:20:43
